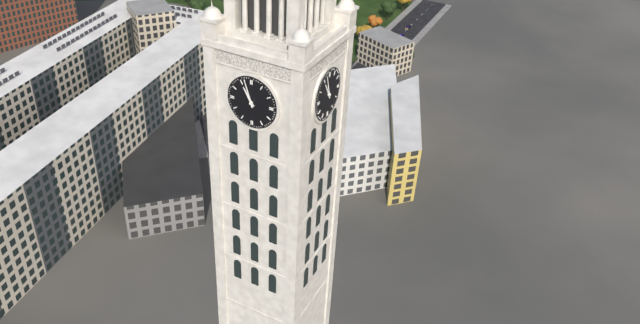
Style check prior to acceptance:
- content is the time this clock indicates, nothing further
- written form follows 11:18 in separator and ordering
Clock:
10:57
